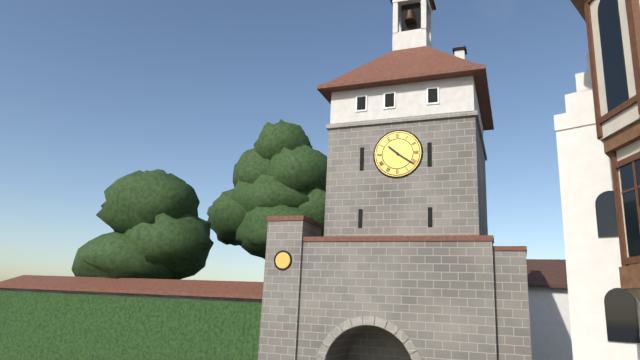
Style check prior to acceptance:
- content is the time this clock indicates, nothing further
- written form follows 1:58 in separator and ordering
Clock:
10:21
